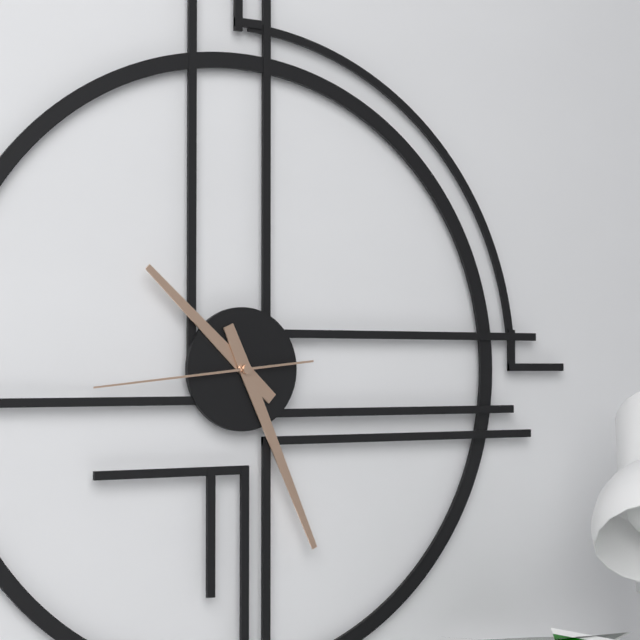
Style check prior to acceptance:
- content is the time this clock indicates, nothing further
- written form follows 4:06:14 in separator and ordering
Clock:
10:26:44
